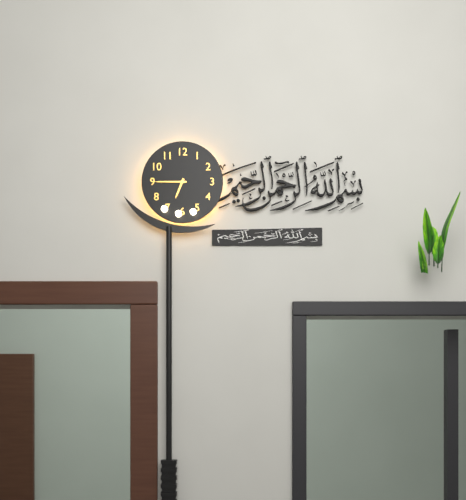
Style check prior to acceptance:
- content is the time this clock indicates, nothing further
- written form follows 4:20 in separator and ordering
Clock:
6:45
